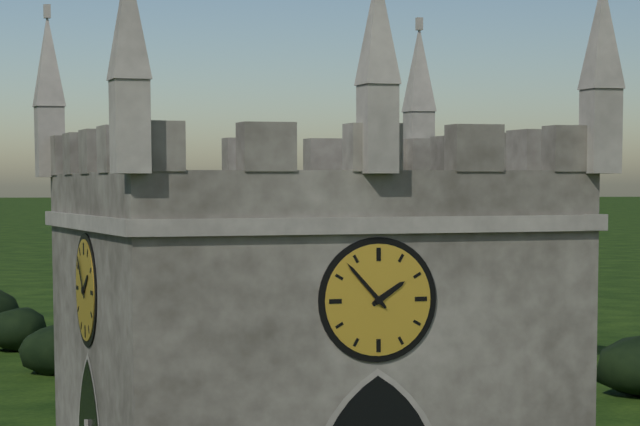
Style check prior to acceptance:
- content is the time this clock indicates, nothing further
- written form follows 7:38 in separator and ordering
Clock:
1:53
